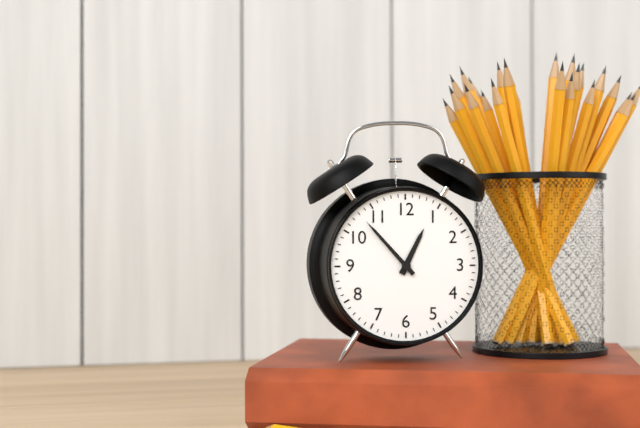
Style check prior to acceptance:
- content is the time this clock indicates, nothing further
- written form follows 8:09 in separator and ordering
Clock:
12:53
